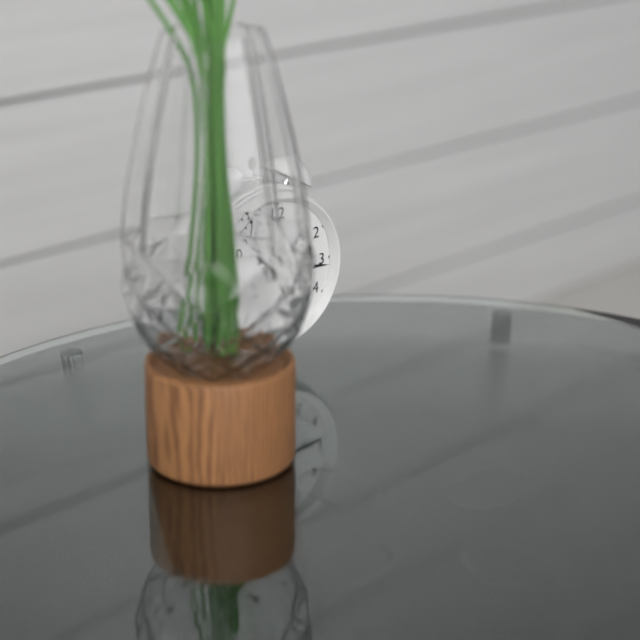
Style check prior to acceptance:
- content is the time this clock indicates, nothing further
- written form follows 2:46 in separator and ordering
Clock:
10:16
